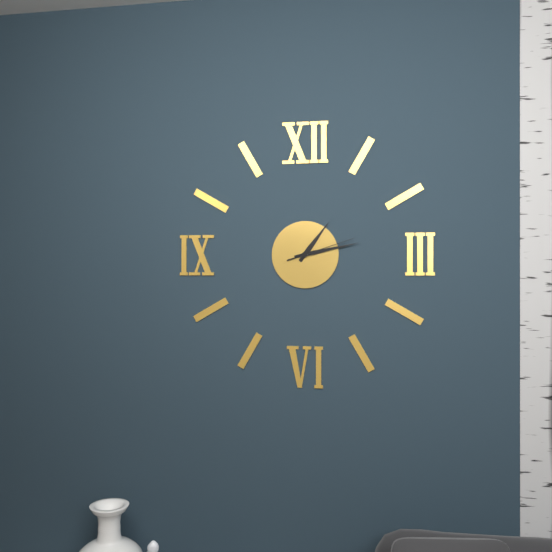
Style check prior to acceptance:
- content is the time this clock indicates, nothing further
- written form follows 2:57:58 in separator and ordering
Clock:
1:13:12
